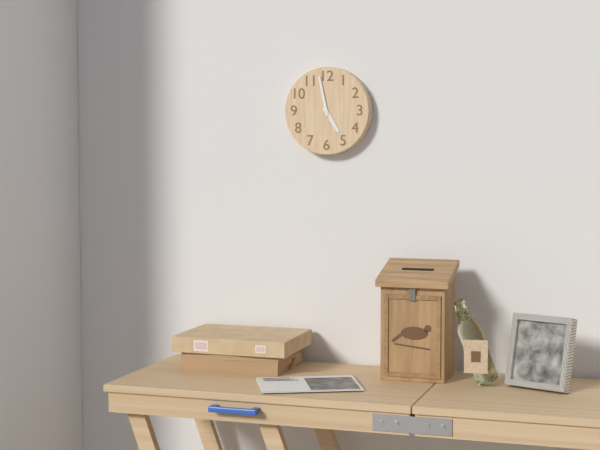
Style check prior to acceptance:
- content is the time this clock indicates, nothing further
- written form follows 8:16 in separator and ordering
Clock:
4:58
